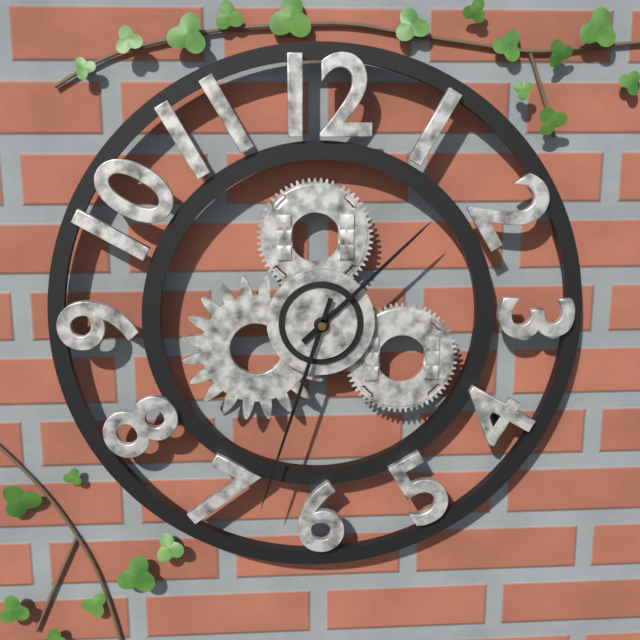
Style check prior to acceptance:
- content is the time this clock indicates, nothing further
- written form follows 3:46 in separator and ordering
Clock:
1:33
